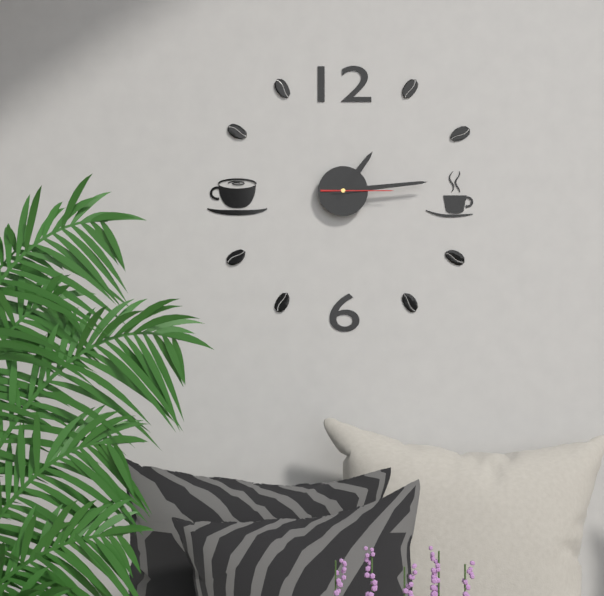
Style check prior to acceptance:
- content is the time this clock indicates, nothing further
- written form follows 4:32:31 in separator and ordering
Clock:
1:14:15
